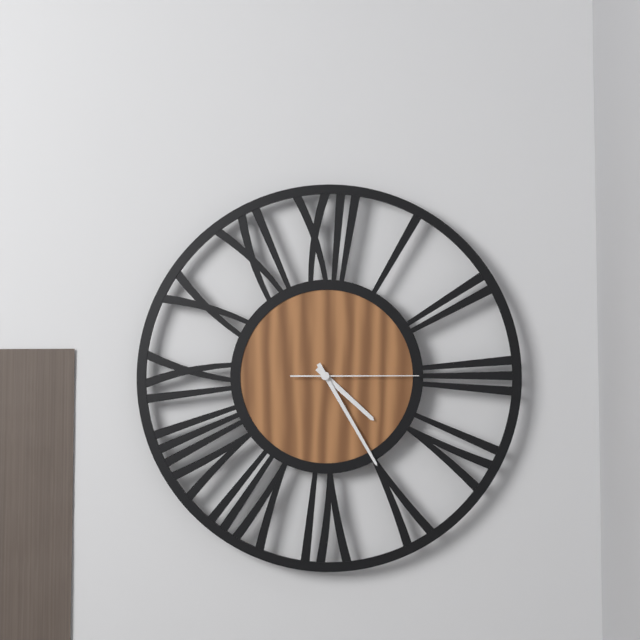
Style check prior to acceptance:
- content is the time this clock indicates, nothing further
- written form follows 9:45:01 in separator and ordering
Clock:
4:25:15
